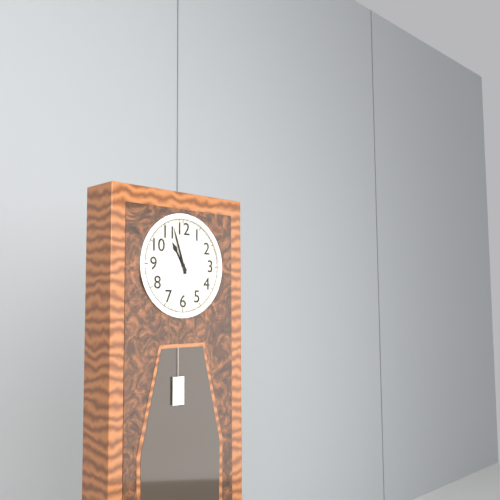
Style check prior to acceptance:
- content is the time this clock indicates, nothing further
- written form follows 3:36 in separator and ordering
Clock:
10:57
